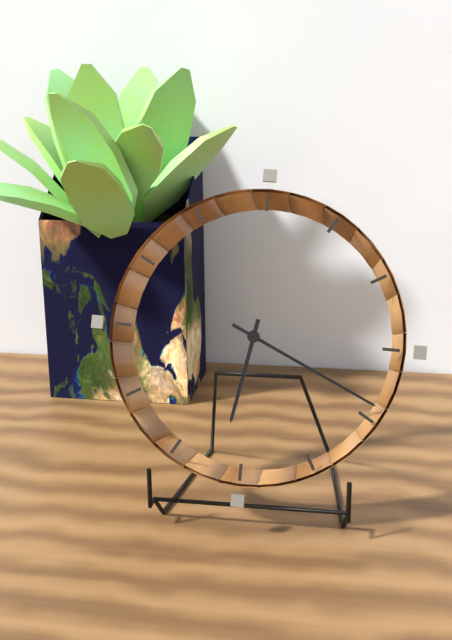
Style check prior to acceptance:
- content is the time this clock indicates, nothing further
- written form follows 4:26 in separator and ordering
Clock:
6:19
